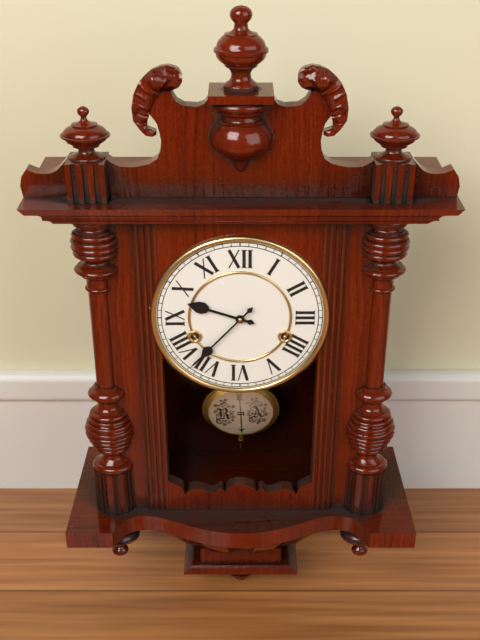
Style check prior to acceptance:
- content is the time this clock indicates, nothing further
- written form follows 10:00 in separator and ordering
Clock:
9:37
